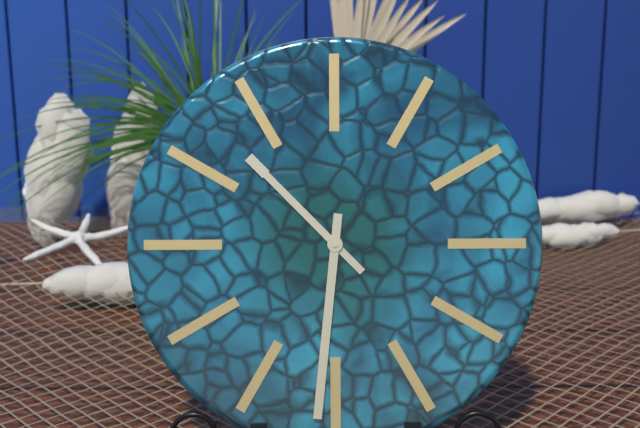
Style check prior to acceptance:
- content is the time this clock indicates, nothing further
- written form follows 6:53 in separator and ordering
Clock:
10:31
